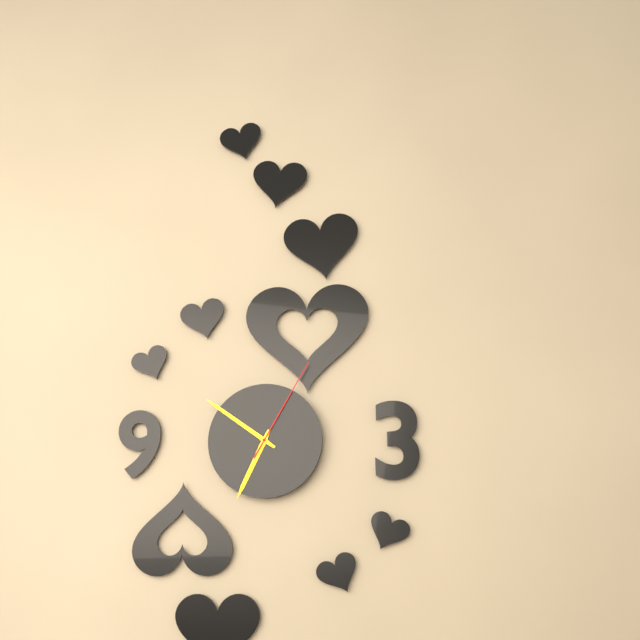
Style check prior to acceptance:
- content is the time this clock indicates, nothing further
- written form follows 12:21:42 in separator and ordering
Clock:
6:51:05
